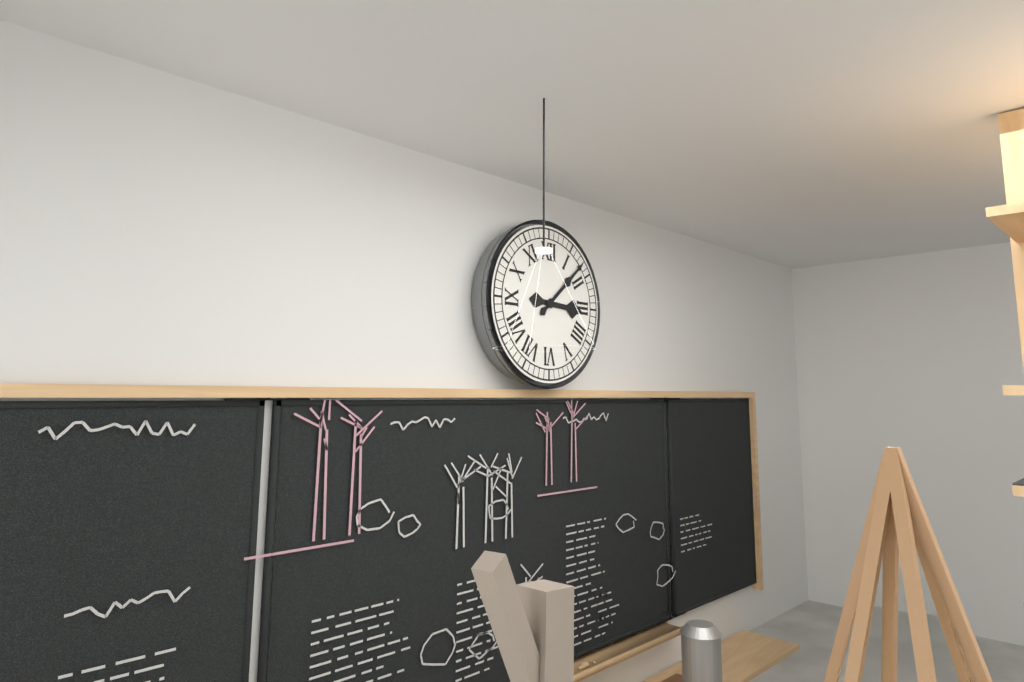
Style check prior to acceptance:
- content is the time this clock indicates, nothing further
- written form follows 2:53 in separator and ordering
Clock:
3:08
